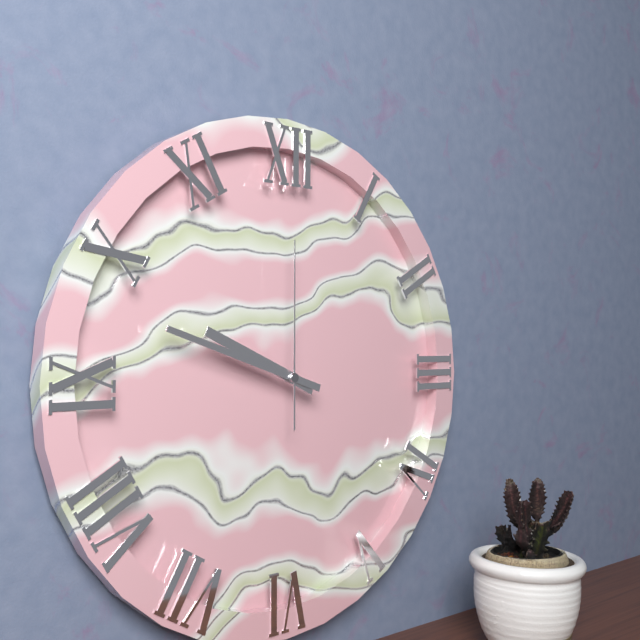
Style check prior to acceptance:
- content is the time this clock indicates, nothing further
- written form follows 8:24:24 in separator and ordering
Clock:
9:48:00
